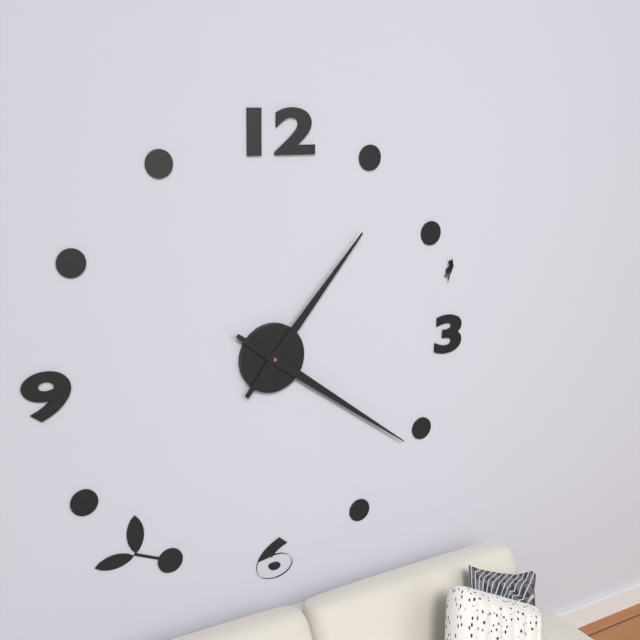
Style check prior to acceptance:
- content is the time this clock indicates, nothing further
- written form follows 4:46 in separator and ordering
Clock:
1:21
